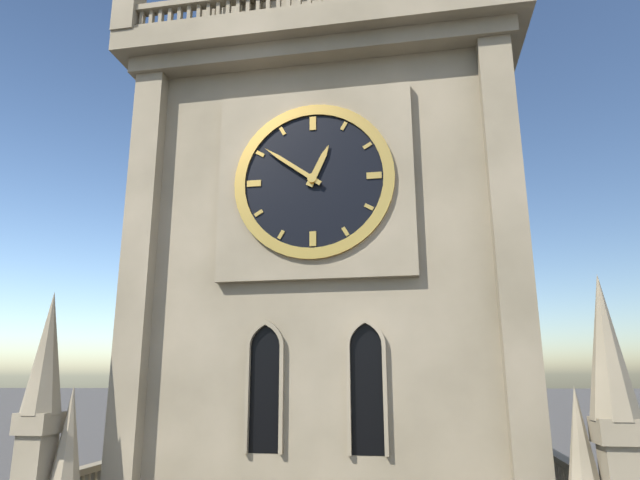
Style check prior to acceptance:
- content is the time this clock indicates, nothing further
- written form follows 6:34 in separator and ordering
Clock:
12:51
